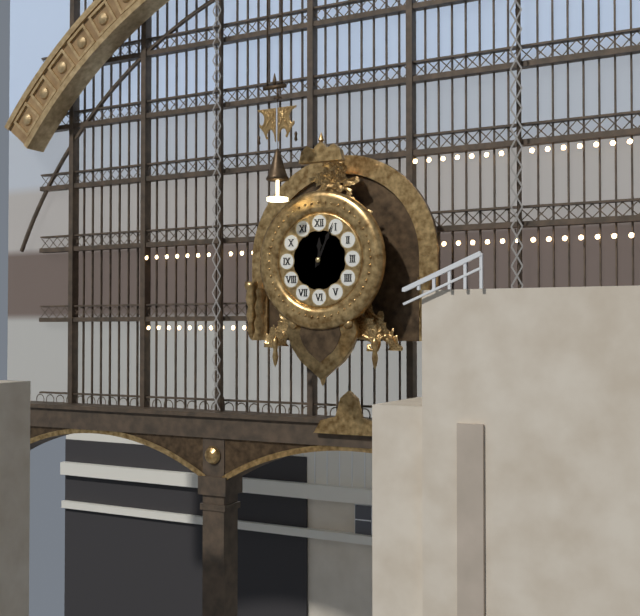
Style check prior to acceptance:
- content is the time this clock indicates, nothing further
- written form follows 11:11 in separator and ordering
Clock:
12:04
